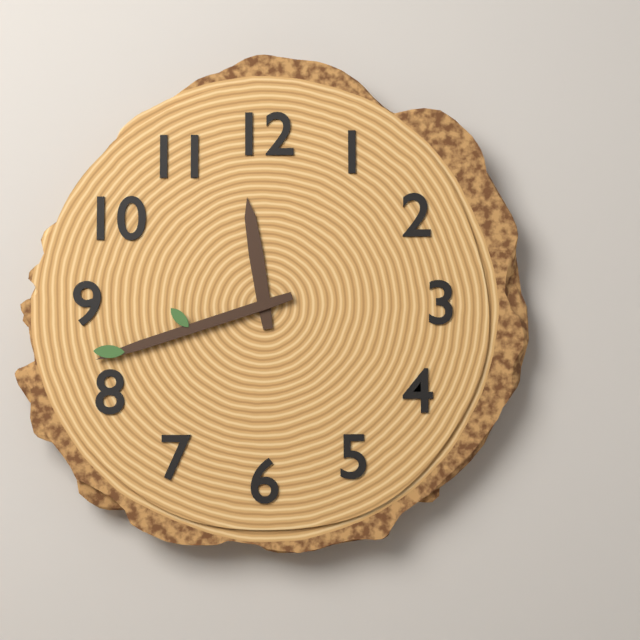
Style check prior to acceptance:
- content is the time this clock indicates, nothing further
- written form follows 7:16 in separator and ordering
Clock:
11:42
